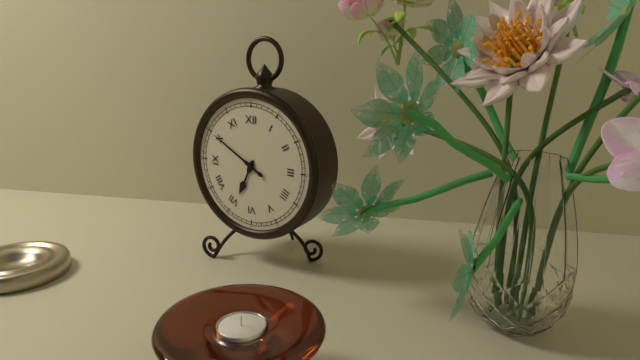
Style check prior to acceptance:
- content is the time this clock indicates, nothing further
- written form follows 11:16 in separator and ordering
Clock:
6:50
